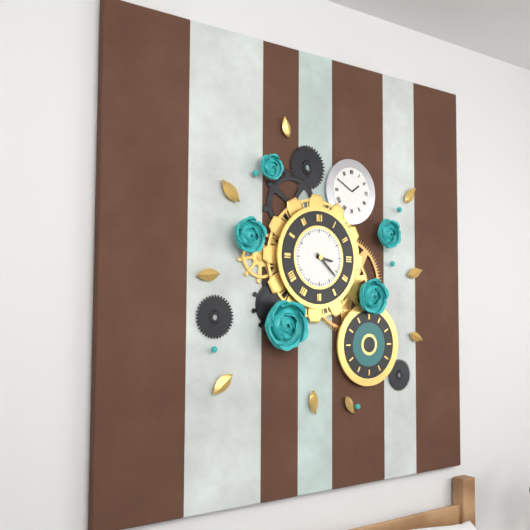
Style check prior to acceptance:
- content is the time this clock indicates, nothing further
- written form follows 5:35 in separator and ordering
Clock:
3:22
